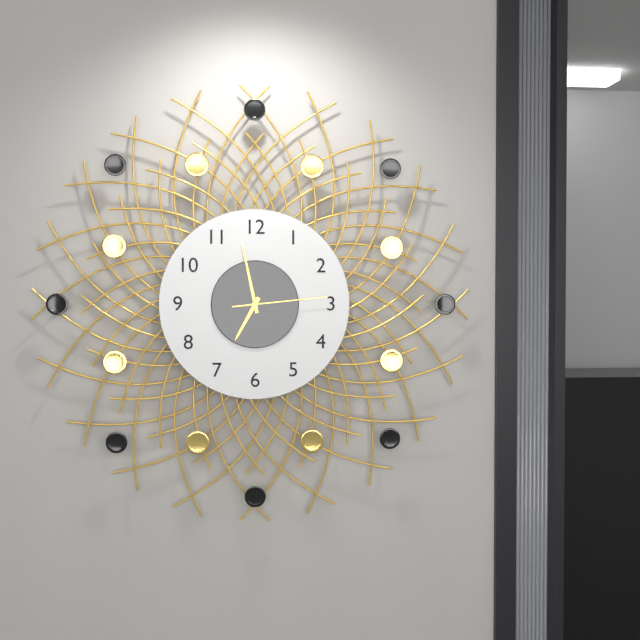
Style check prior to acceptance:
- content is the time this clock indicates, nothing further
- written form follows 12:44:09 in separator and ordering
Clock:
6:58:14
